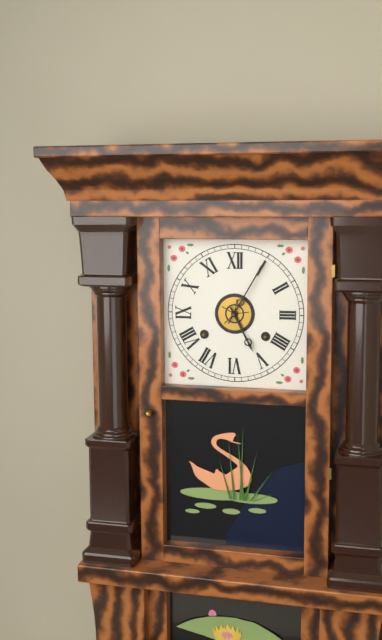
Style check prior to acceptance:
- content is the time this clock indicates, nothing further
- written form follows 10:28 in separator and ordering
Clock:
5:05
